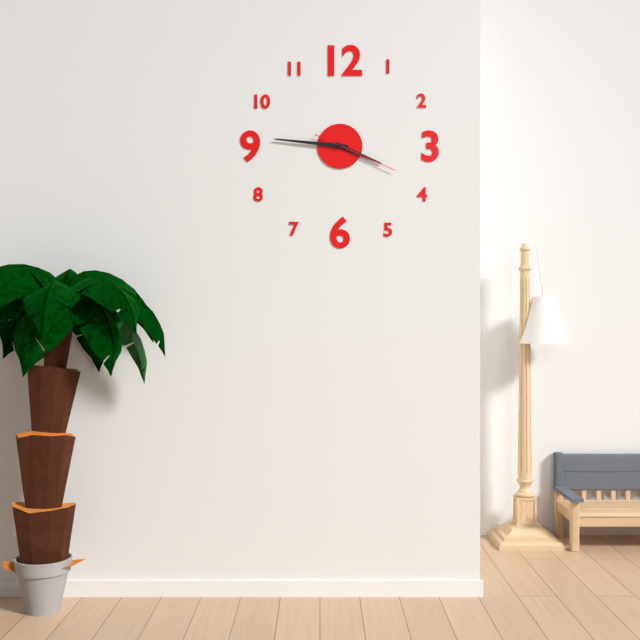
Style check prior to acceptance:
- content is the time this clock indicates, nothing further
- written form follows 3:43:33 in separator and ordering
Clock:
3:46:19
